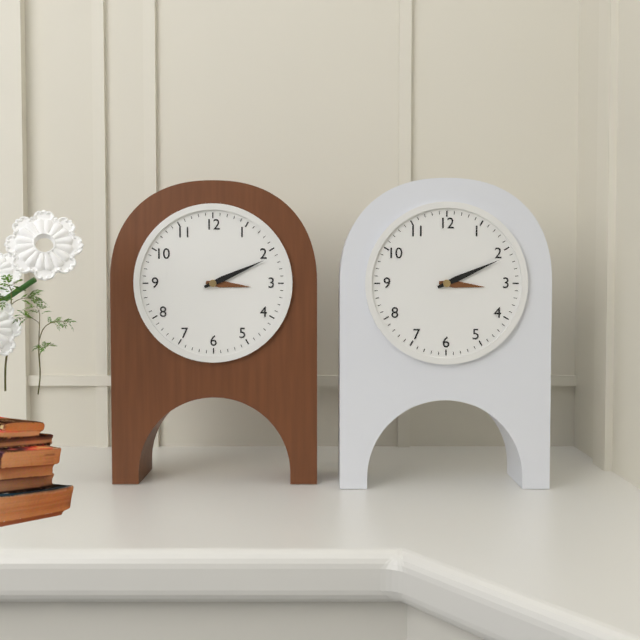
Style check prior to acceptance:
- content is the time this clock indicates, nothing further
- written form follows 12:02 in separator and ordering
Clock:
3:11
